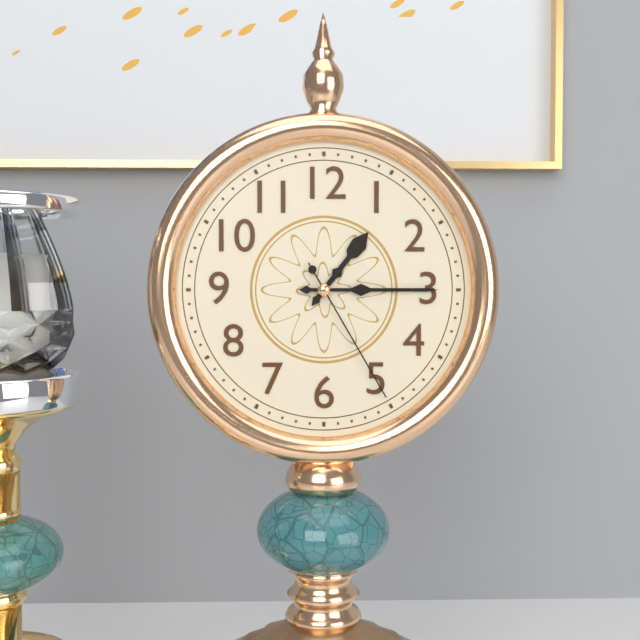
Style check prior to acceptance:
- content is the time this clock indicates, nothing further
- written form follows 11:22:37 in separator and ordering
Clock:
1:15:25
